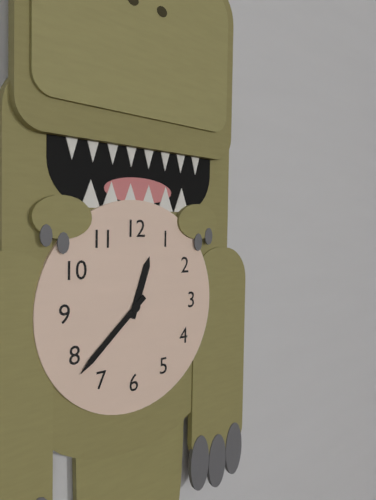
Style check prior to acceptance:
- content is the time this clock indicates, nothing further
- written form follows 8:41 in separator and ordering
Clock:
12:38
